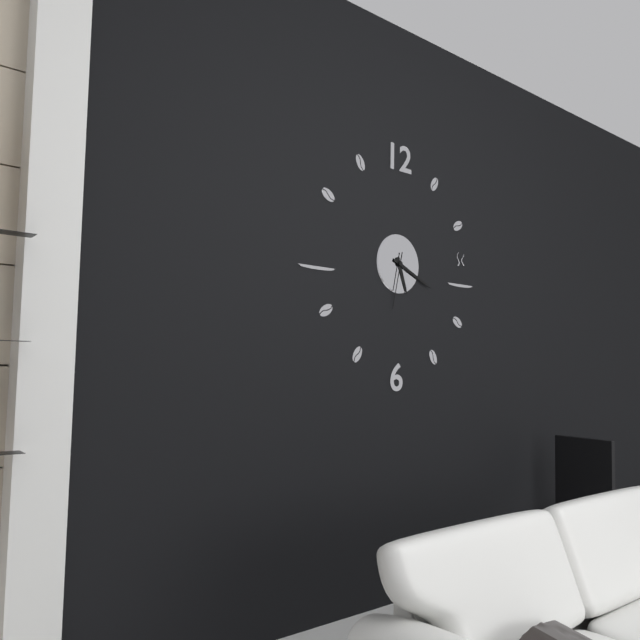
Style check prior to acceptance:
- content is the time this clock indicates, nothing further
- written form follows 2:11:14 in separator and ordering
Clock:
5:19:32
